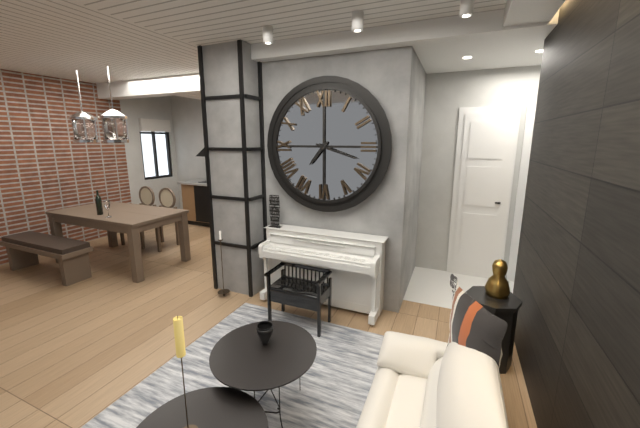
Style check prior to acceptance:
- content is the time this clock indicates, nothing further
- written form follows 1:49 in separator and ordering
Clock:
7:18
